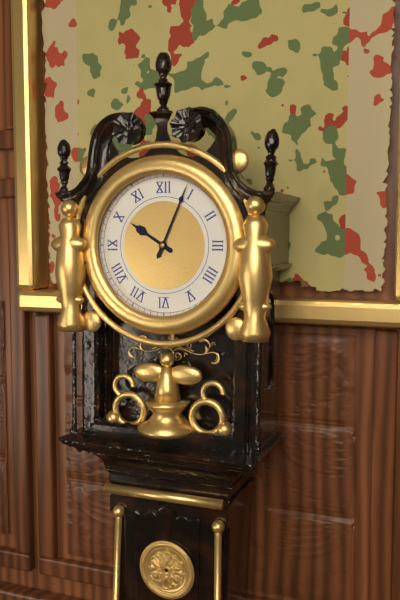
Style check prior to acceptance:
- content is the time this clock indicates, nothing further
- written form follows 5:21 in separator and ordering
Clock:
10:04
